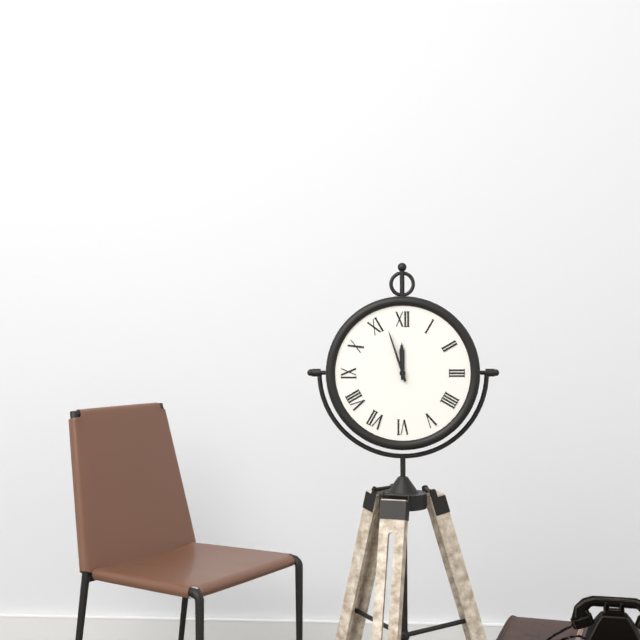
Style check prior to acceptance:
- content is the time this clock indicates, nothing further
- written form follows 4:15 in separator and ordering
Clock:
11:57
